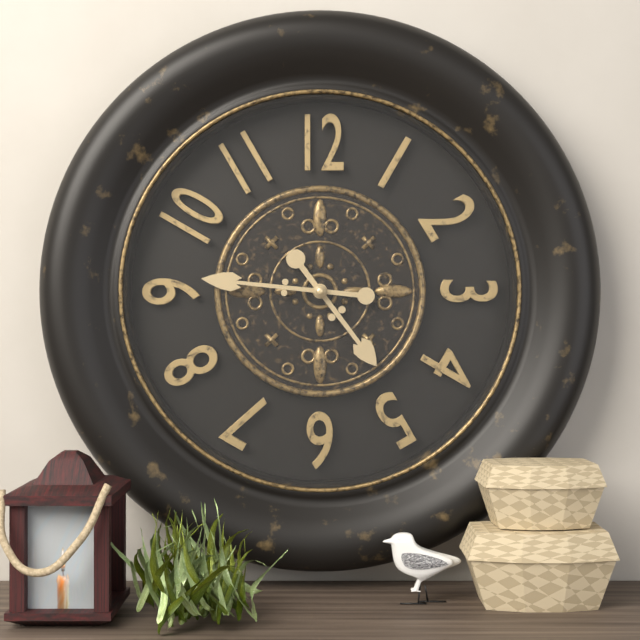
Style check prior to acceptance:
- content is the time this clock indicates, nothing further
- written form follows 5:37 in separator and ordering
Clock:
4:46
